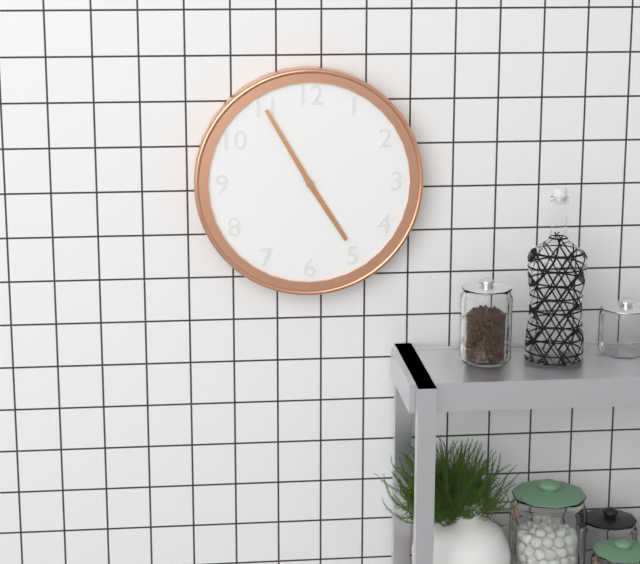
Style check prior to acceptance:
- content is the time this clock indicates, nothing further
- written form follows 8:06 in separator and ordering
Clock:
4:55
